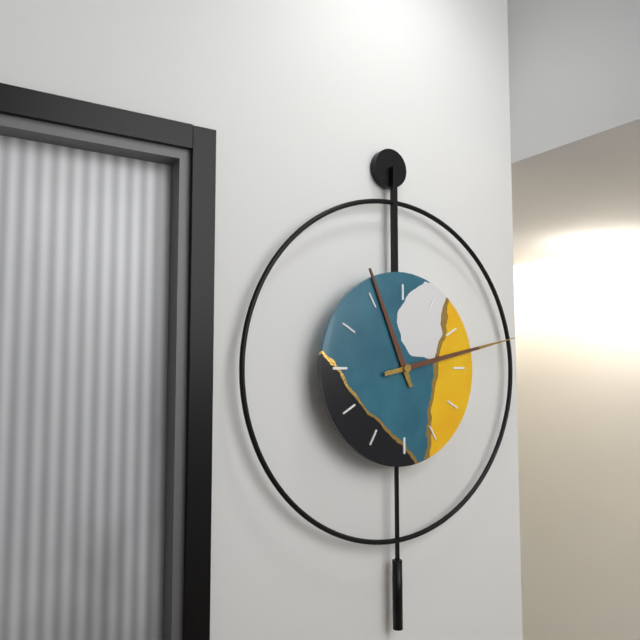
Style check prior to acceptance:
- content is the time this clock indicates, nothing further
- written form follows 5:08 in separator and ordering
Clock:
11:13
